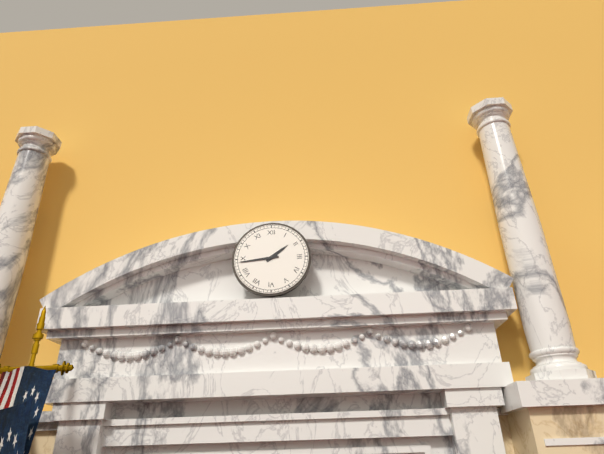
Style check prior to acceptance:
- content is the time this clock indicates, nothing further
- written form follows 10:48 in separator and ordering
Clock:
1:44
